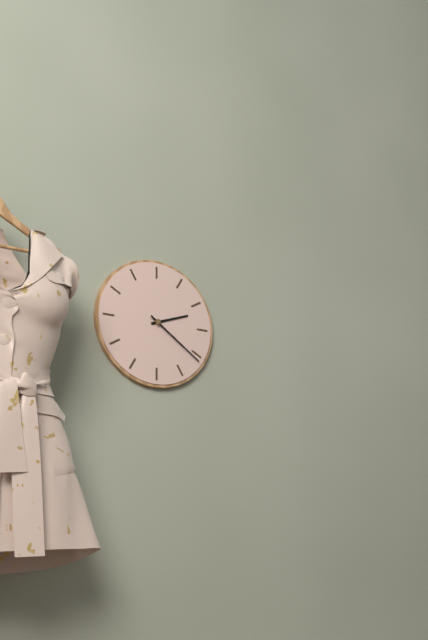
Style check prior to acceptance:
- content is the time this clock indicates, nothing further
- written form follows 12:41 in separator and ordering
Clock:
2:21
